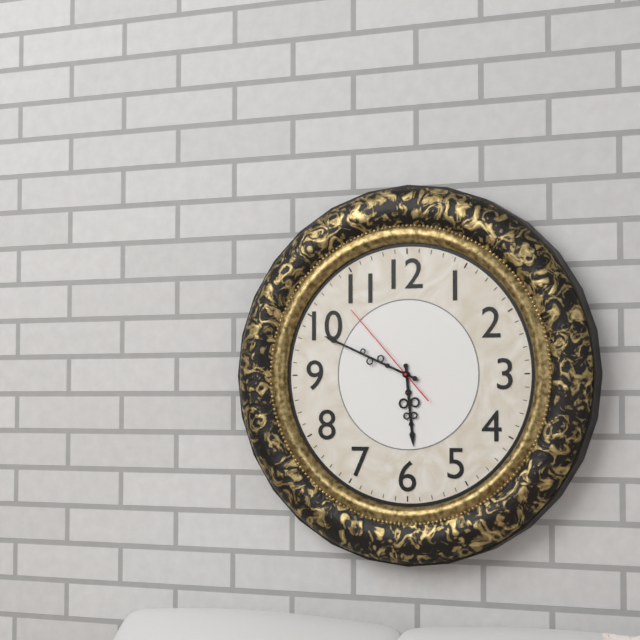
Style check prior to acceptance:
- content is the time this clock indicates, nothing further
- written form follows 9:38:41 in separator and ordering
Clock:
5:49:53
